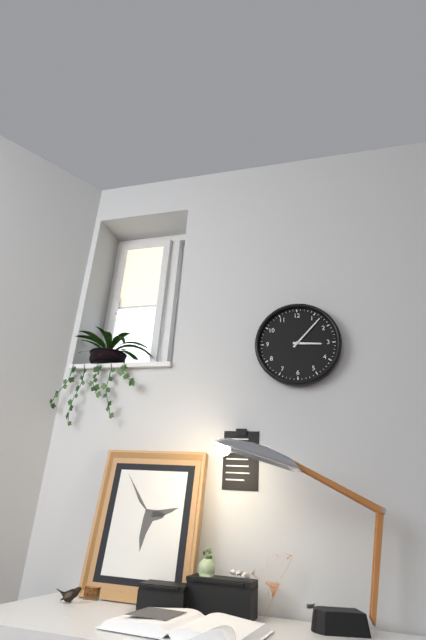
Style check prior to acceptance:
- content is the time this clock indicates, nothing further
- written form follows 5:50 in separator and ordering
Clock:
3:07
